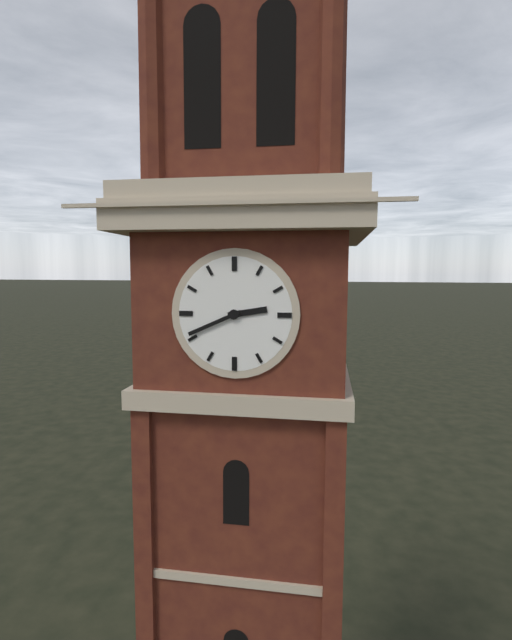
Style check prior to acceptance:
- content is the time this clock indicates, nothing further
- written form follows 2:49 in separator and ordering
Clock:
2:41
